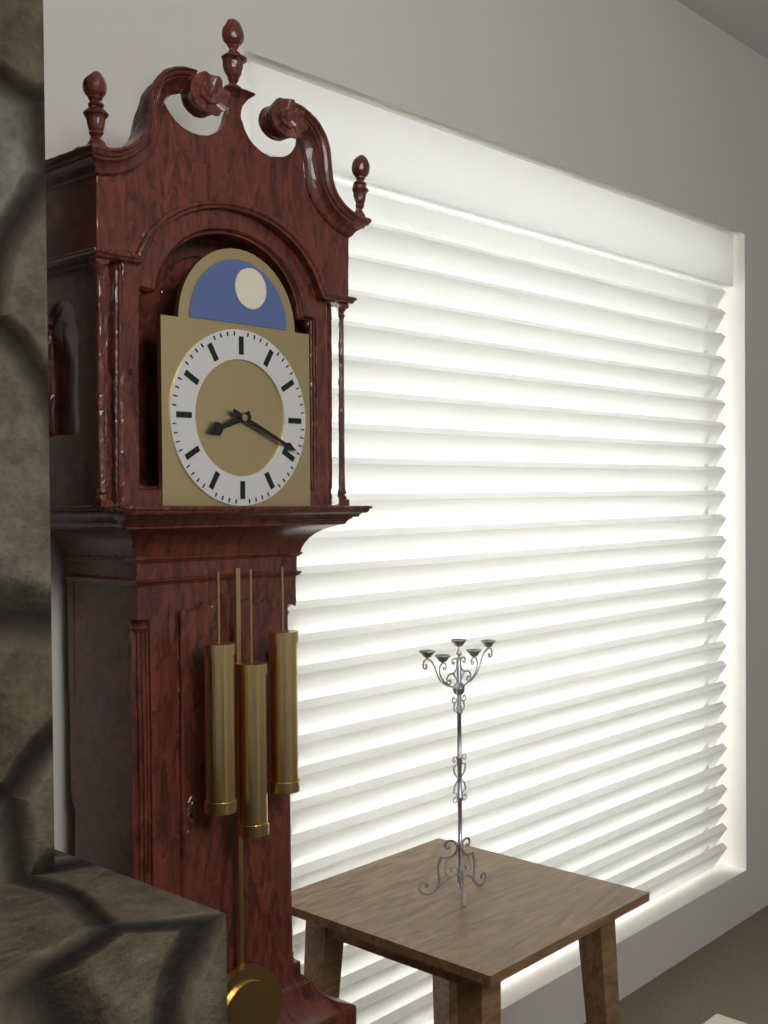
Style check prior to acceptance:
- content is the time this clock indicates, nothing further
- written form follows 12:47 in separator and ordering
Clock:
8:19
